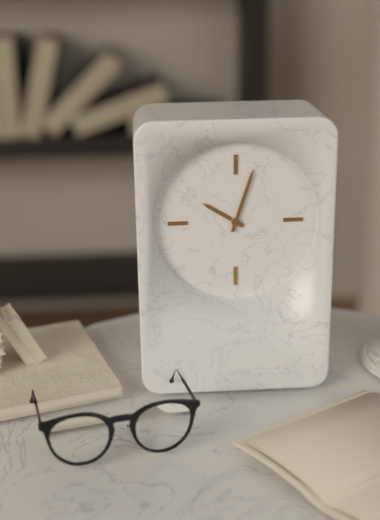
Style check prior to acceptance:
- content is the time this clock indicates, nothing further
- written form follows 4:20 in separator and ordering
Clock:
10:03
